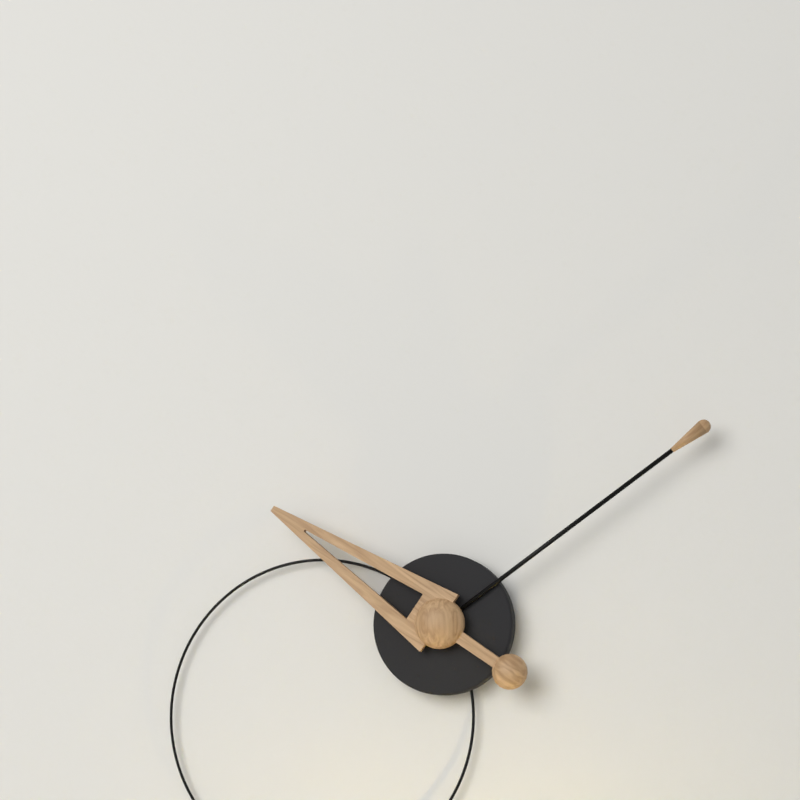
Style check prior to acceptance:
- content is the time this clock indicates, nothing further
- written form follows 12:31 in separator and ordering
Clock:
10:09
